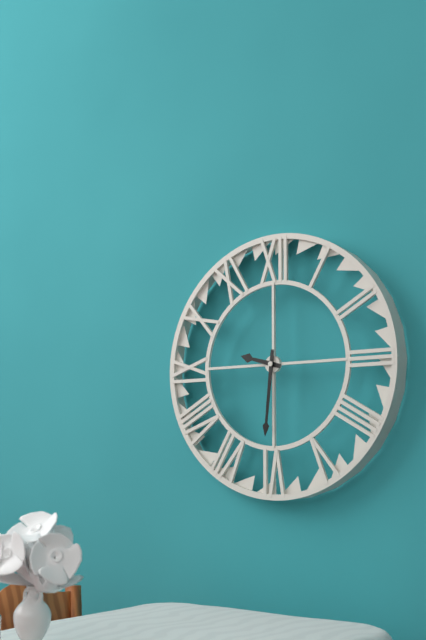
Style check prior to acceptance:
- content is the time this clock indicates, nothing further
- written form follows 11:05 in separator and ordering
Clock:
9:31
